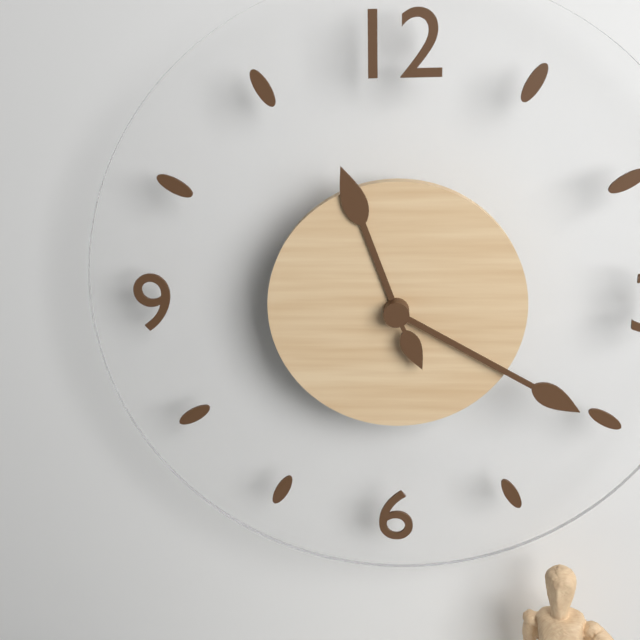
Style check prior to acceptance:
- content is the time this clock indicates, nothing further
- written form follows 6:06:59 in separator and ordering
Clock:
11:20:26
